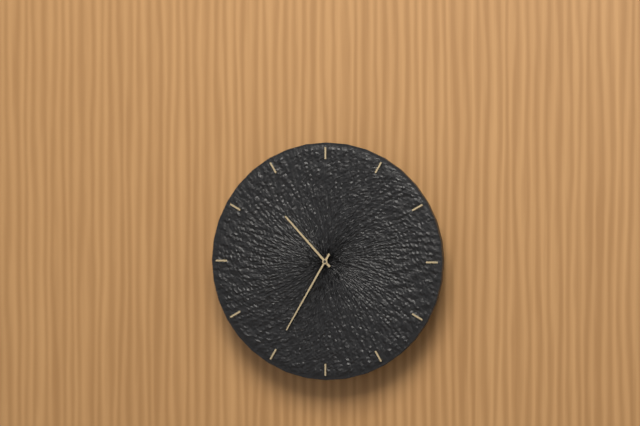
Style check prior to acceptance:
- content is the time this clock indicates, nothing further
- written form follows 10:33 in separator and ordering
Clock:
10:35
